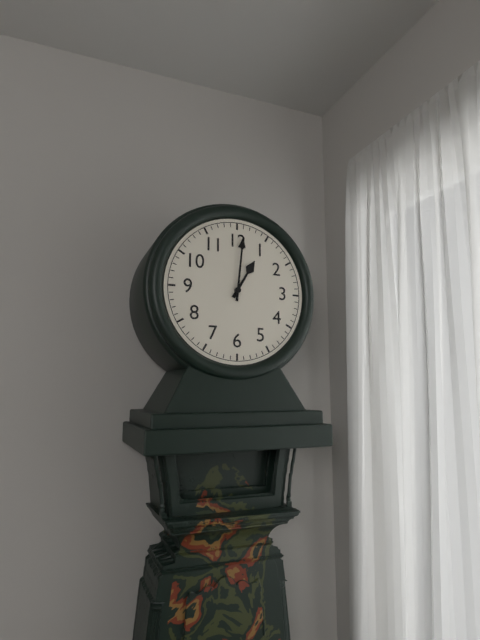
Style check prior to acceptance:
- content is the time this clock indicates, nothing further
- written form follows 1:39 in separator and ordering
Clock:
1:01
